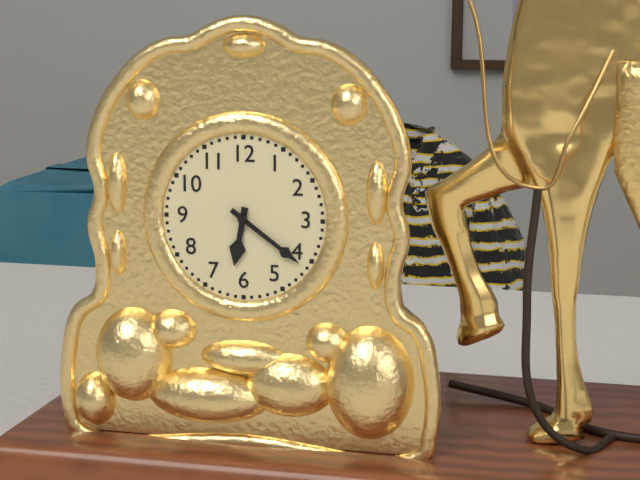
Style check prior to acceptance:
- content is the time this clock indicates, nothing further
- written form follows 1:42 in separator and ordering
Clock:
6:21
